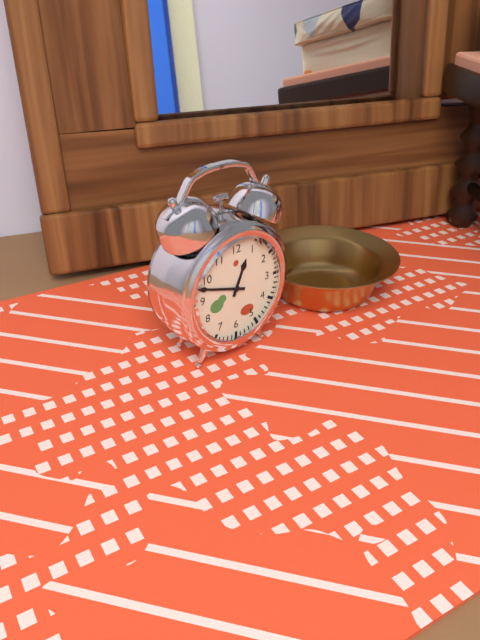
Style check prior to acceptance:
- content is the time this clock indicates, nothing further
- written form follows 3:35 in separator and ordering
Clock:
12:48
